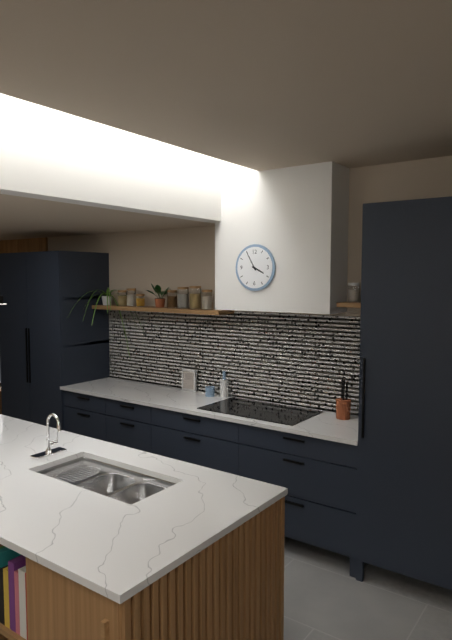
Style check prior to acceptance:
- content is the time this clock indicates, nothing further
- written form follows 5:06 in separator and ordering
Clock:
3:55
